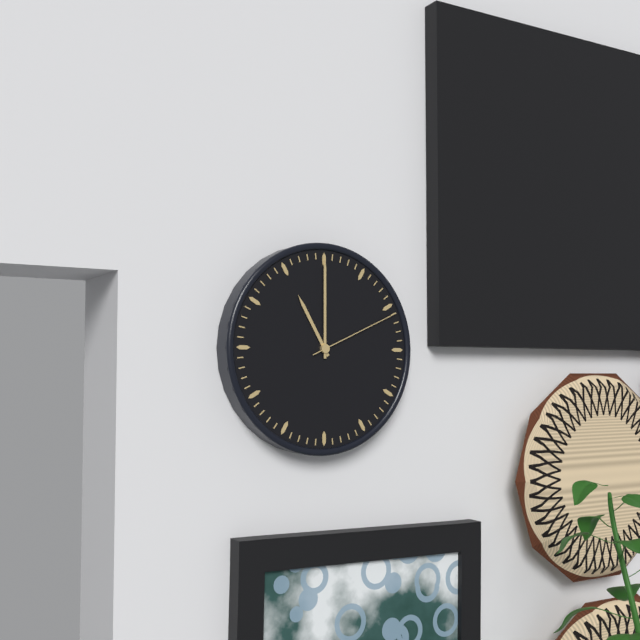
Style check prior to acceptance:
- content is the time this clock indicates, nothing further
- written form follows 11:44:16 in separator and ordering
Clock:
11:00:11
